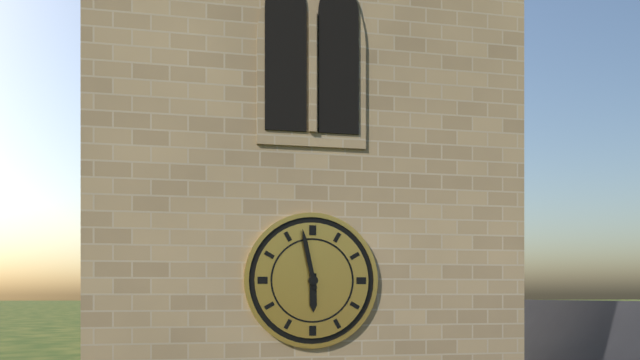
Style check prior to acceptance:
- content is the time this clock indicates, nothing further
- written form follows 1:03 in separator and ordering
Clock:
5:58
